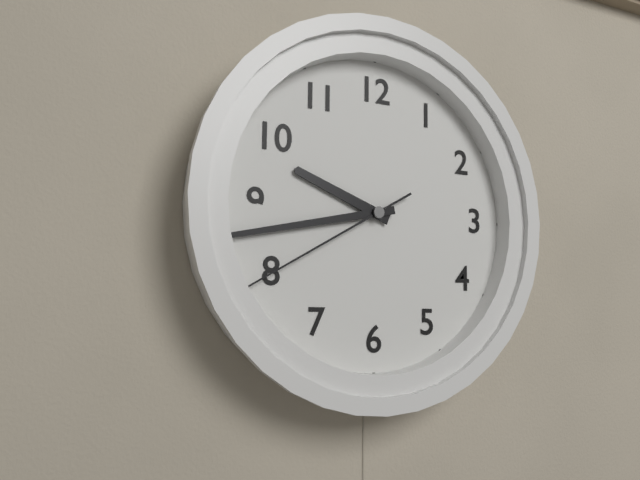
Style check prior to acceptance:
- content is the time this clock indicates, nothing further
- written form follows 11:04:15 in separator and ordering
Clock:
9:43:40
